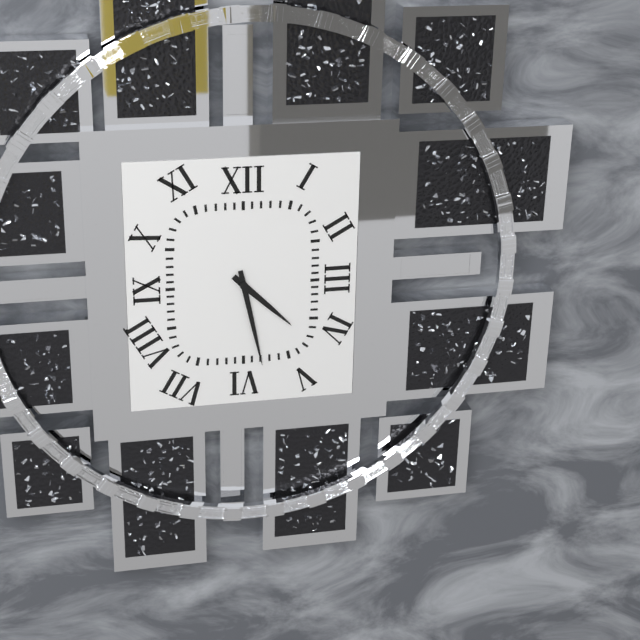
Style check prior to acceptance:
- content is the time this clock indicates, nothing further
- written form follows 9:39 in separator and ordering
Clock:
4:28
